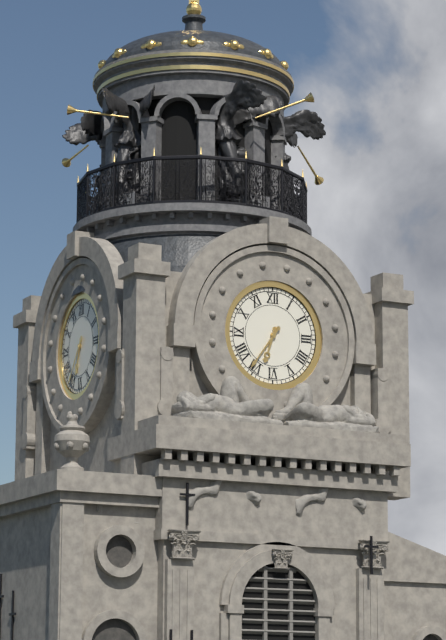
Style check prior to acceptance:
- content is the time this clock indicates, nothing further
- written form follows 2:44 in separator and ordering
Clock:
6:36
